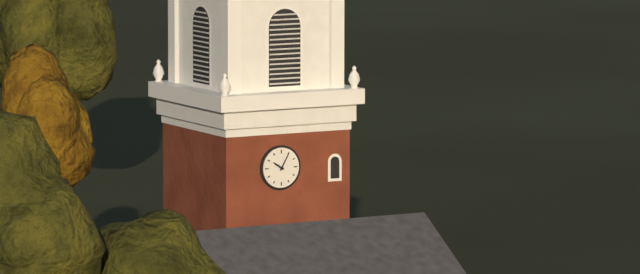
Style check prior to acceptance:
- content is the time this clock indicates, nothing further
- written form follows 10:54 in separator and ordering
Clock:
10:05
